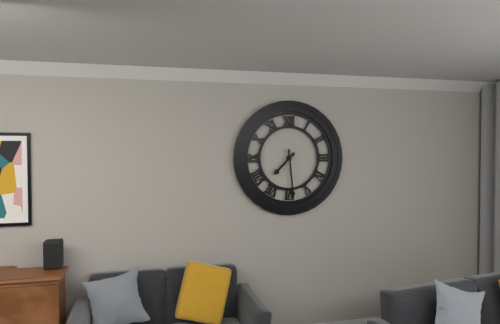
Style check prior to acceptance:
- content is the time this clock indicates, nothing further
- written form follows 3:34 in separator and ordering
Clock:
7:29
